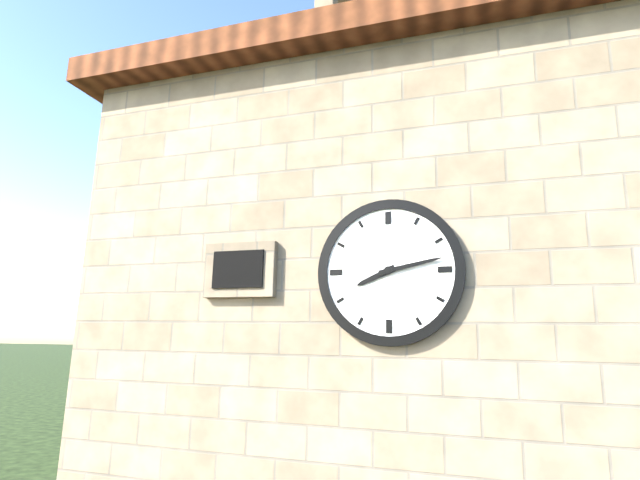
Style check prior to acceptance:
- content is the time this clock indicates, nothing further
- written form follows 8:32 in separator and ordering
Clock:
8:13
